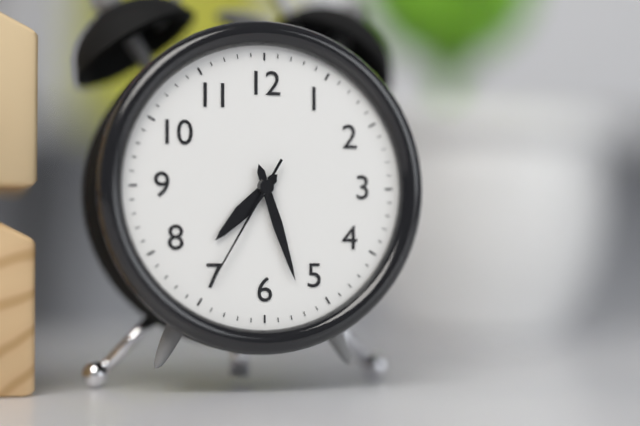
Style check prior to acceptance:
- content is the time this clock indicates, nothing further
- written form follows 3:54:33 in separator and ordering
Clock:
7:27:35
